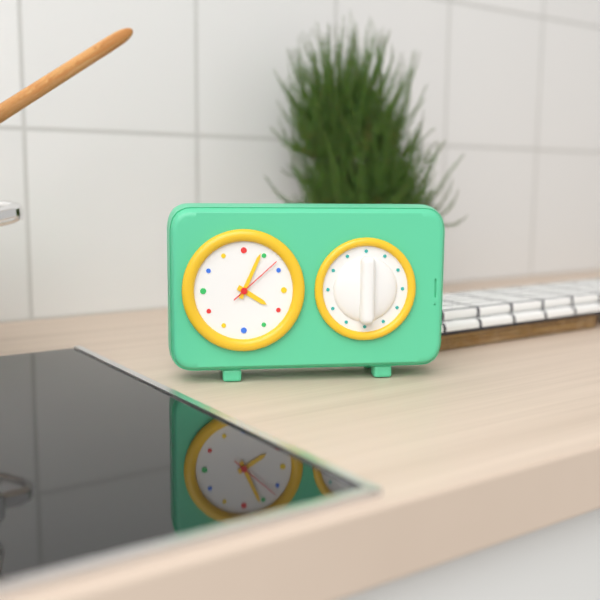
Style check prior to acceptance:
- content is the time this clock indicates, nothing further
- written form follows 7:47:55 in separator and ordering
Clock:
4:04:08
